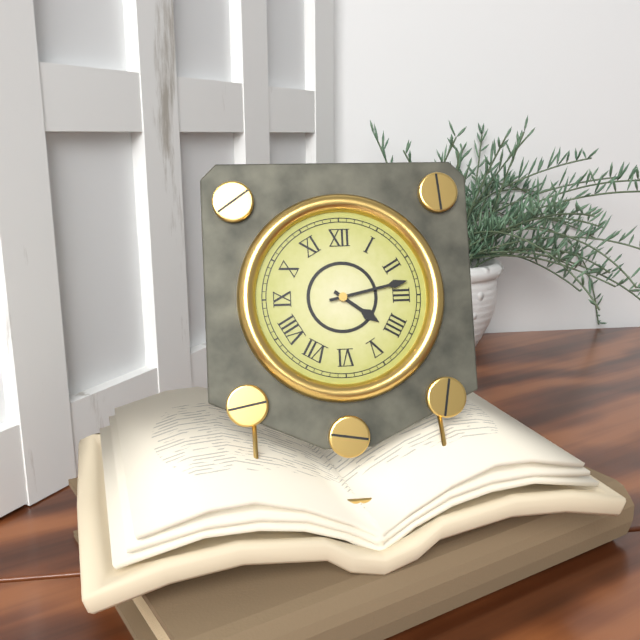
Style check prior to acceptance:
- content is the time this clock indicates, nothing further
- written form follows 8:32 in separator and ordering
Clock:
4:13
